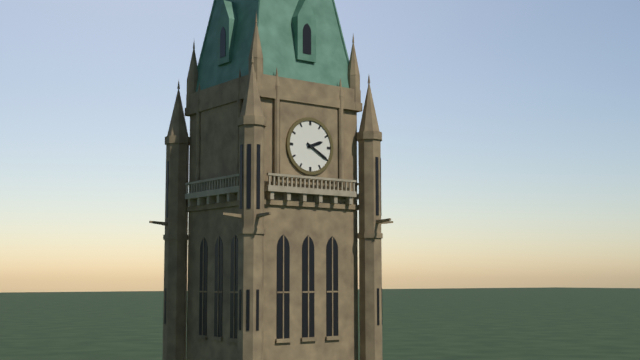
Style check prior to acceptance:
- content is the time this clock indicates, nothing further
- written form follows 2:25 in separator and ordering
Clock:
2:20
